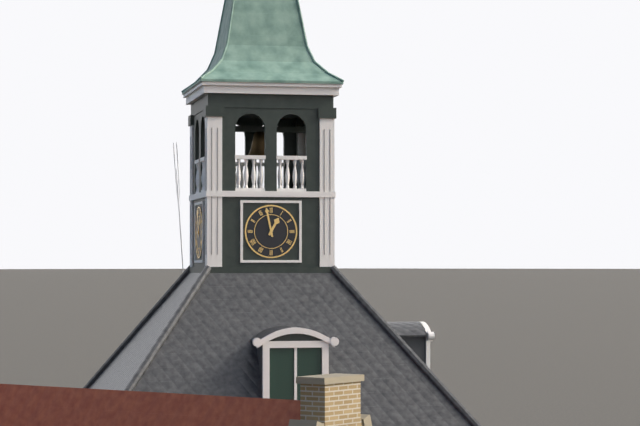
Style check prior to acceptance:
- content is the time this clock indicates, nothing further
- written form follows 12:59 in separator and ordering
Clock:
12:58
